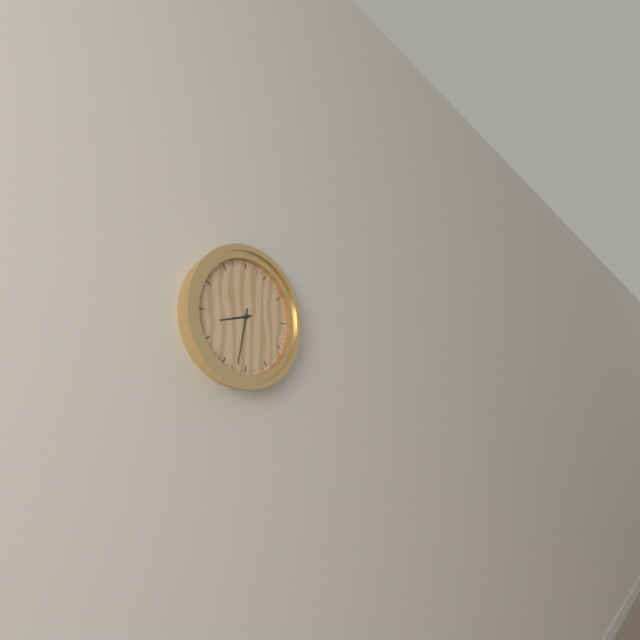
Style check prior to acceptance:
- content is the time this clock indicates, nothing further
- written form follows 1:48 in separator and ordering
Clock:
8:32
